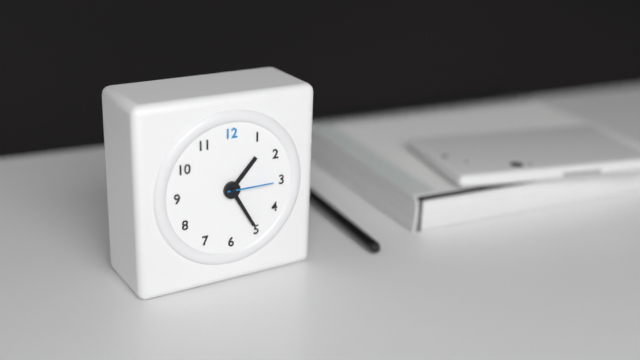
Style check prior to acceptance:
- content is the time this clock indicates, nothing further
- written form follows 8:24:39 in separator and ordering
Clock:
1:25:15
